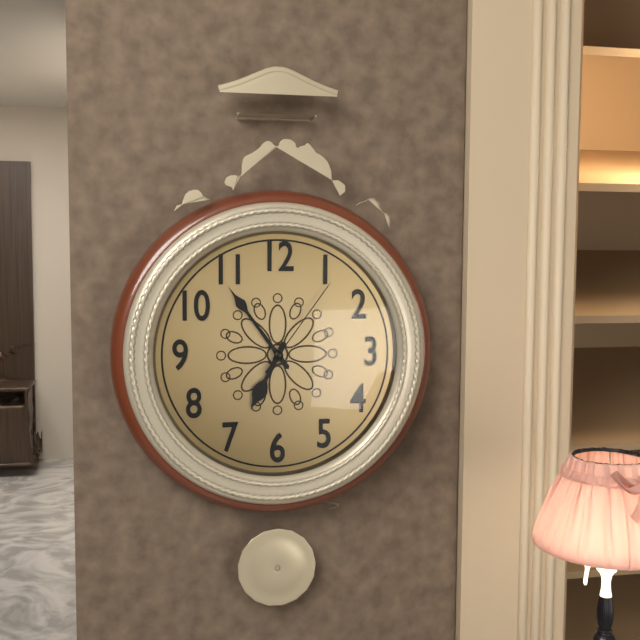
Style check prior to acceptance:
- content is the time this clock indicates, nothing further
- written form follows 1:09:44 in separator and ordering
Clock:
6:54:06
